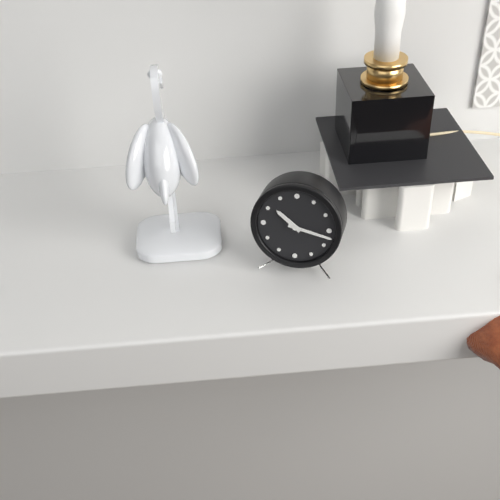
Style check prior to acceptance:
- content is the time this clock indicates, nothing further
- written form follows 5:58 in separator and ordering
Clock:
10:17
